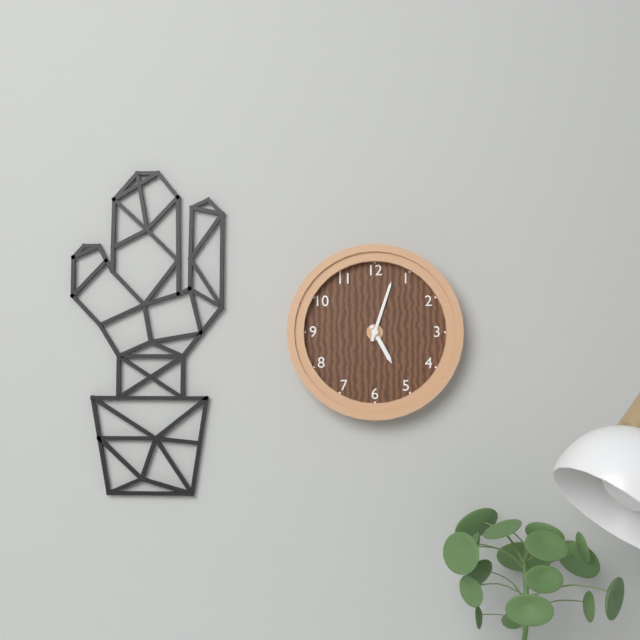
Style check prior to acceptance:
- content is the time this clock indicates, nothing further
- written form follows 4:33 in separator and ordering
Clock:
5:03
